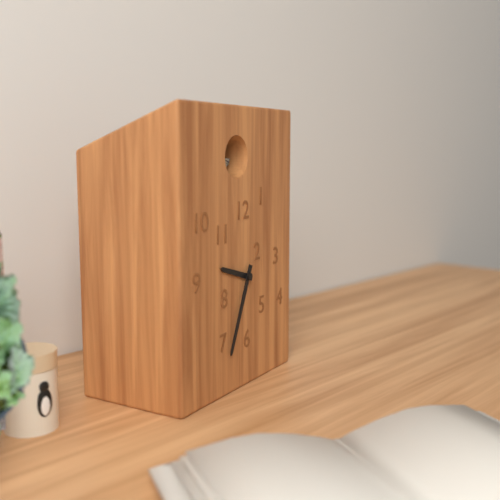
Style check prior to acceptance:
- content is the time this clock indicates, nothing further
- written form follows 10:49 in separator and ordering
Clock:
9:34
